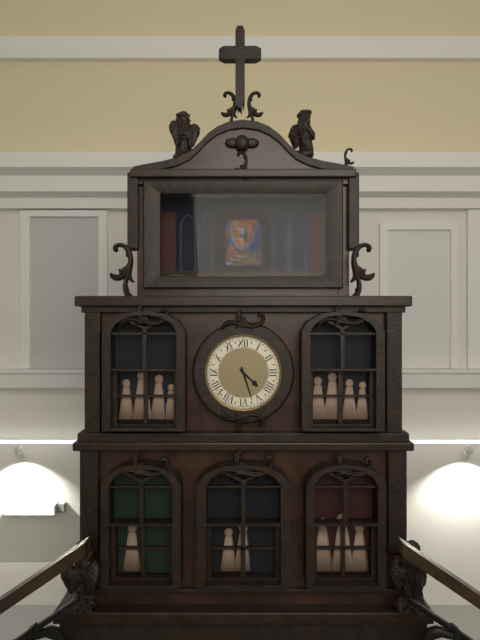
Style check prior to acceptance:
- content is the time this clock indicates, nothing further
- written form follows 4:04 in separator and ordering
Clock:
4:27
